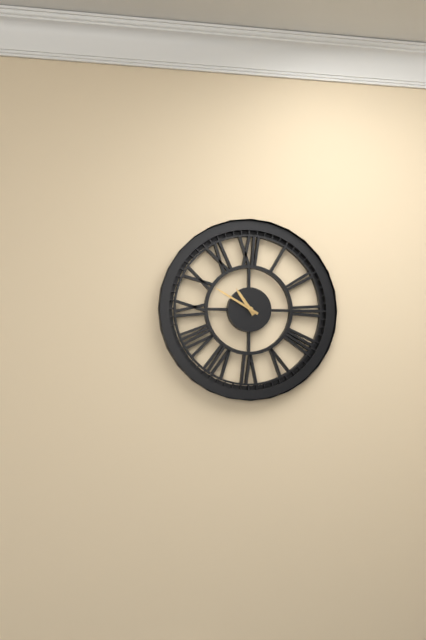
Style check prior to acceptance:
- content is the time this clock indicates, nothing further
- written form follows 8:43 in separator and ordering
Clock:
10:50
